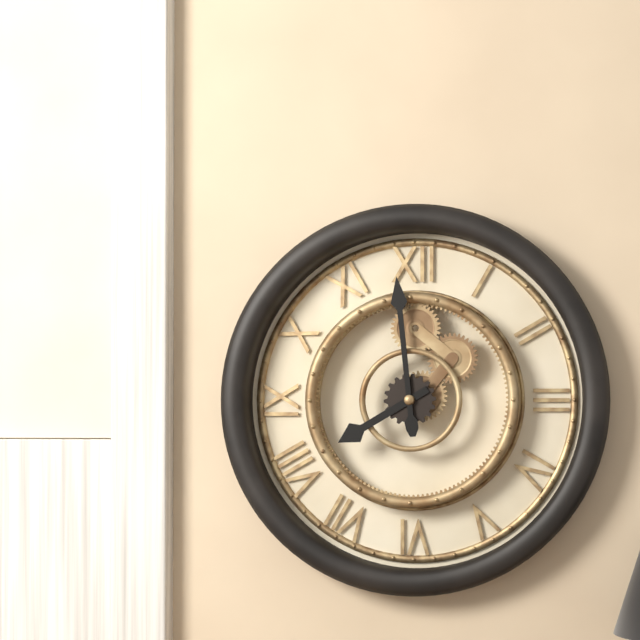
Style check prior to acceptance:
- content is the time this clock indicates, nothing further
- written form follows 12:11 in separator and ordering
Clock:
7:59
